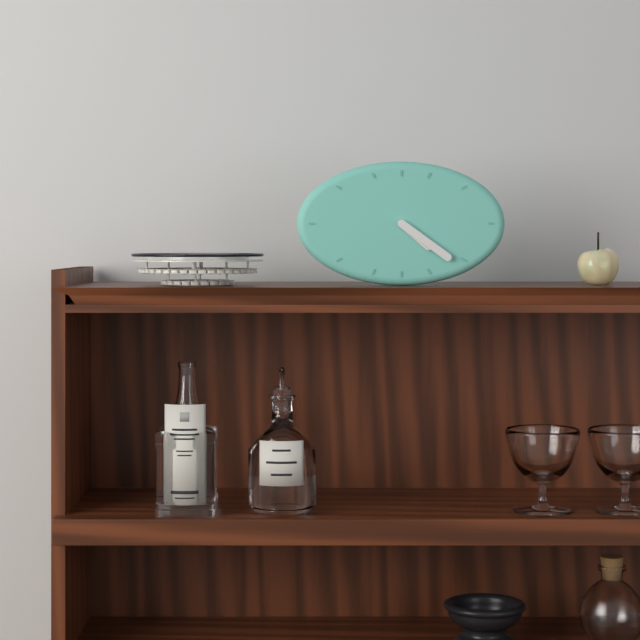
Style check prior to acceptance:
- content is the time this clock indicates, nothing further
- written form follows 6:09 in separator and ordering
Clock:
4:21
